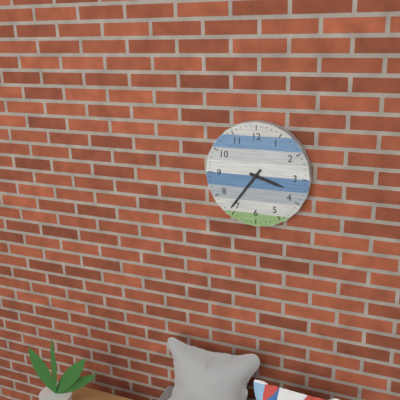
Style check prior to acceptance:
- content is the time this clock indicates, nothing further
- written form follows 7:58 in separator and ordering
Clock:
3:36
